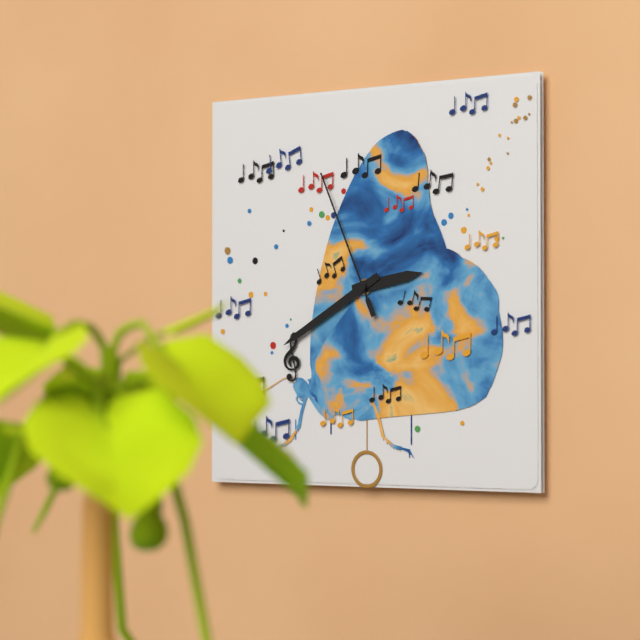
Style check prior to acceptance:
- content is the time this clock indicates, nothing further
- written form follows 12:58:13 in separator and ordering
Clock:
2:40:56
